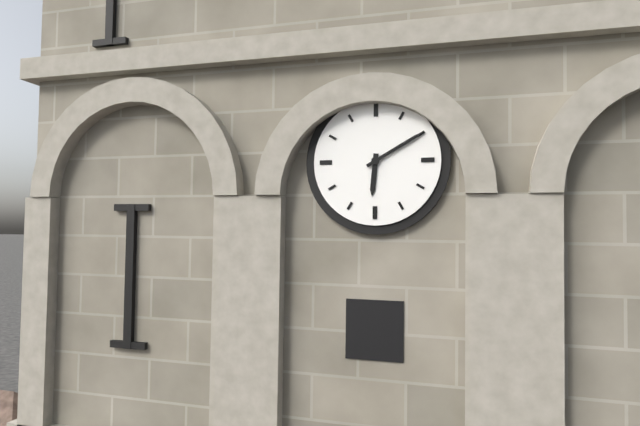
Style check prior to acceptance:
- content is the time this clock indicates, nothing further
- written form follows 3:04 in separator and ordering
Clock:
6:10
